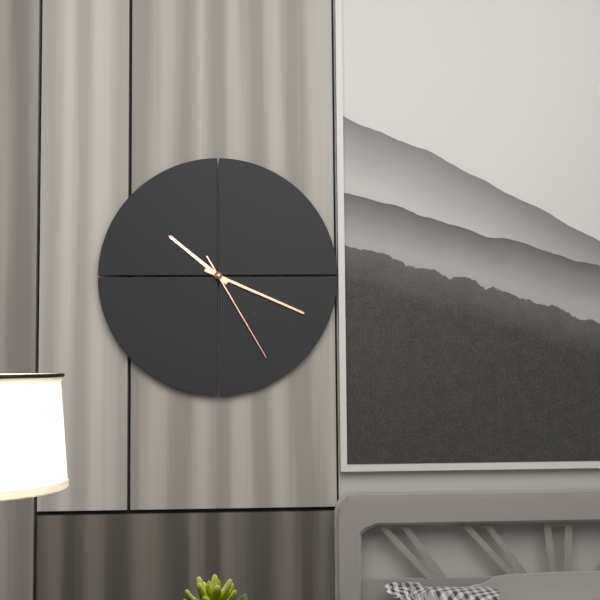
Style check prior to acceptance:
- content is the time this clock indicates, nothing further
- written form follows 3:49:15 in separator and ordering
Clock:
10:19:25
